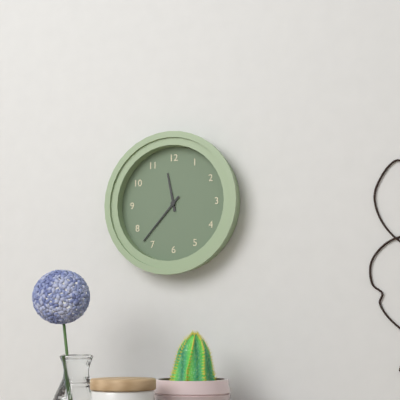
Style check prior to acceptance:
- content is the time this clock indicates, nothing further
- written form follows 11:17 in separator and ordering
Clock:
11:37
